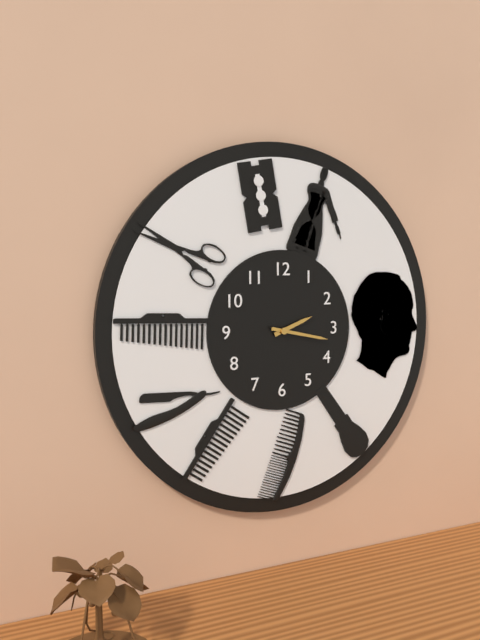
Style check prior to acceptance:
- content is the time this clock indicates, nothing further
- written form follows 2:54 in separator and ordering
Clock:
2:17
